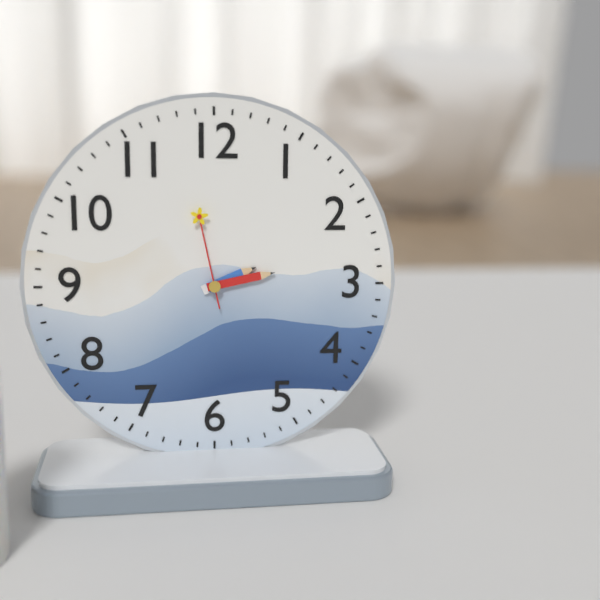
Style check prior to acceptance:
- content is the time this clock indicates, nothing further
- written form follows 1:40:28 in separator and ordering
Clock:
2:13:58
